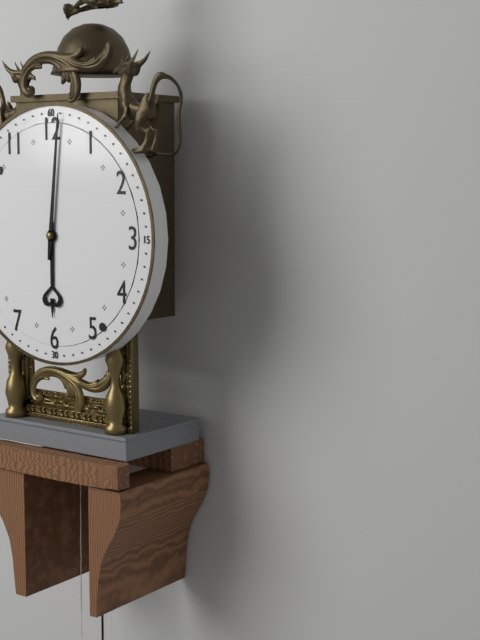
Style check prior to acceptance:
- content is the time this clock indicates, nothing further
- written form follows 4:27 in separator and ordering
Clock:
6:01
